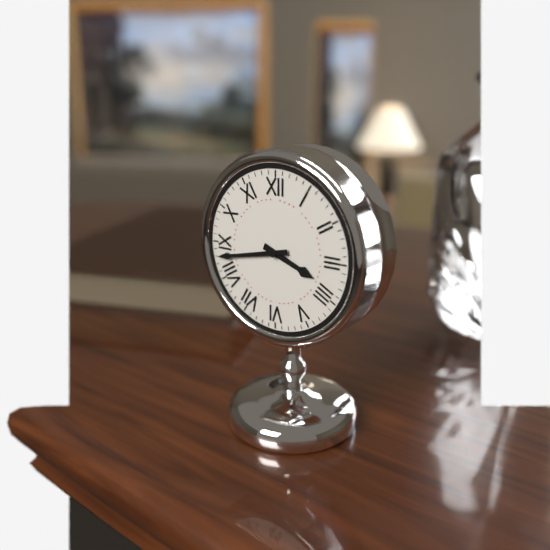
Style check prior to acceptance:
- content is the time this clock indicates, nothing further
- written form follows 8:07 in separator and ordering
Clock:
3:43
